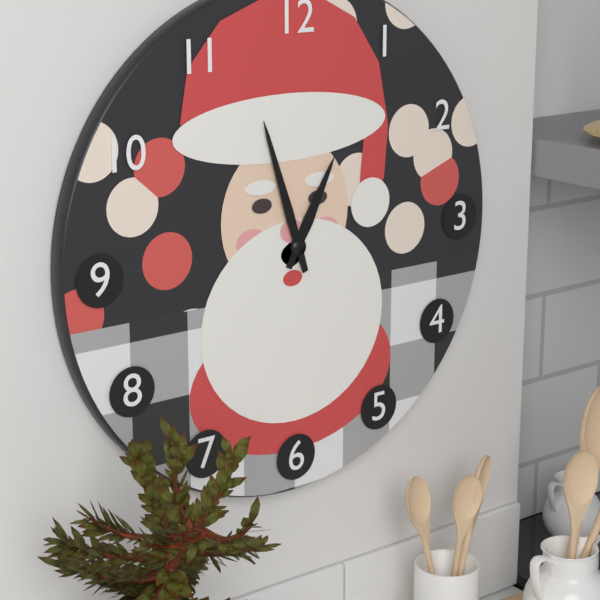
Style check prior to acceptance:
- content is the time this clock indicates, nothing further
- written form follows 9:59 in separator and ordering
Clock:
12:57
